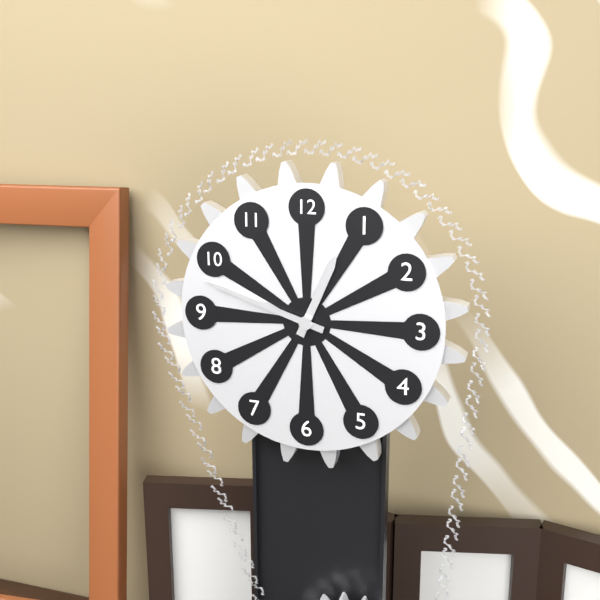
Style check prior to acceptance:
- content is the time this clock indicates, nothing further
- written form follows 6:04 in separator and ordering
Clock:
12:48
